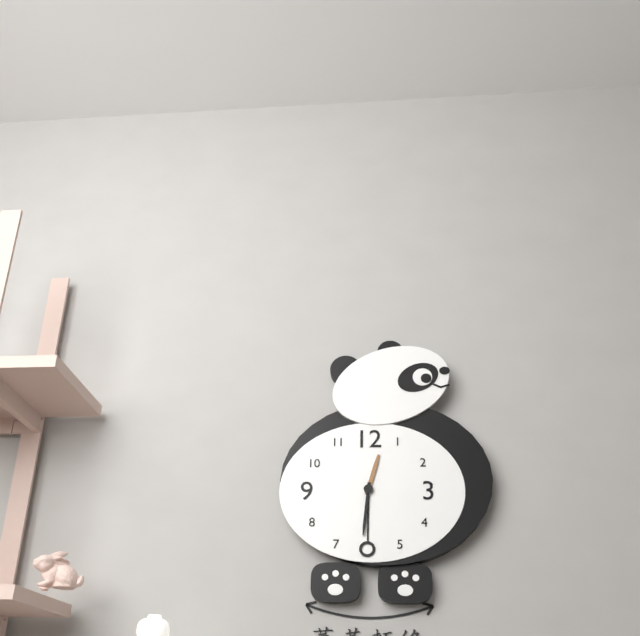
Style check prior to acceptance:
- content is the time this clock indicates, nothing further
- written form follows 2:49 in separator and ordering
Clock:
12:31
